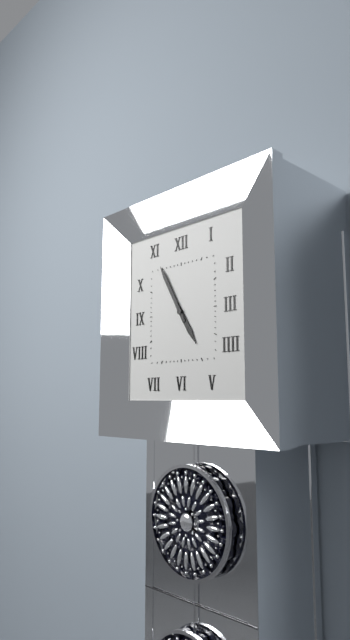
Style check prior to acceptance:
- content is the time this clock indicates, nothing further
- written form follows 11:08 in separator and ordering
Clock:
4:55
